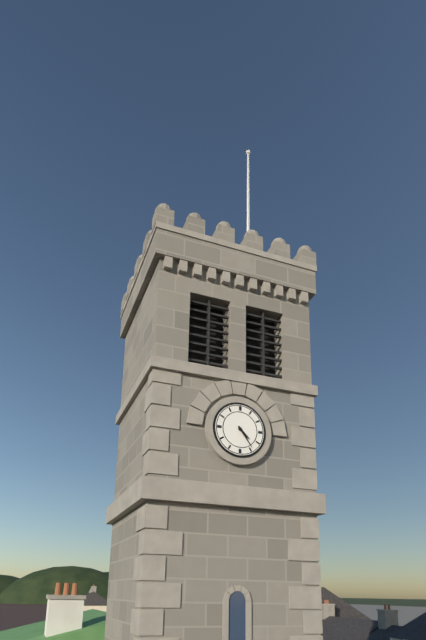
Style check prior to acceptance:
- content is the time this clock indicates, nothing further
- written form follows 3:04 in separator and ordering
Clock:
4:24
